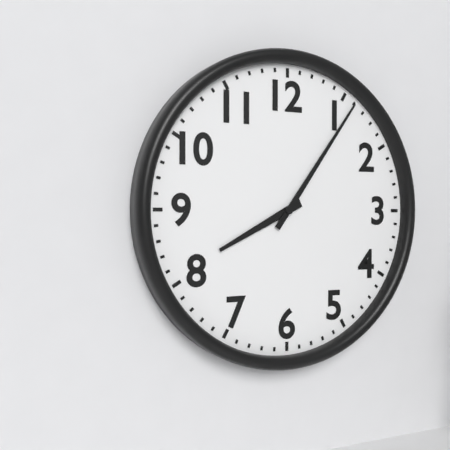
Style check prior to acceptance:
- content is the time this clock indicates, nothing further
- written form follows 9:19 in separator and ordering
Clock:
8:06
